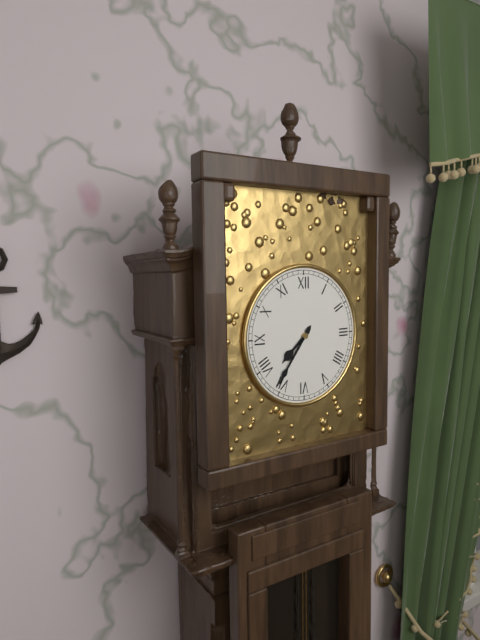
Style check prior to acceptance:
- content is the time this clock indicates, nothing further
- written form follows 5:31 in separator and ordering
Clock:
7:36
